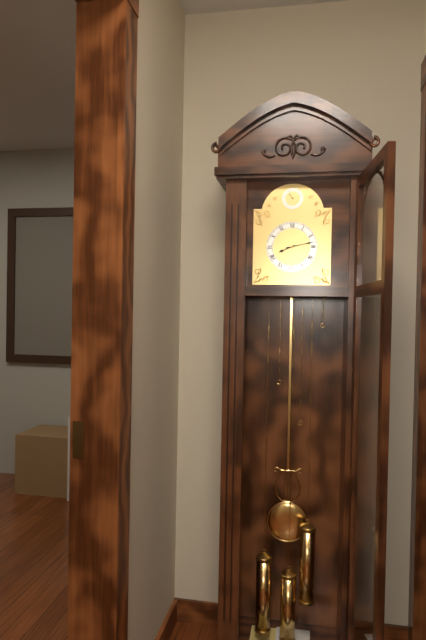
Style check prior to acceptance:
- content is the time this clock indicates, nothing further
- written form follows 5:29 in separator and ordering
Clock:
8:13
